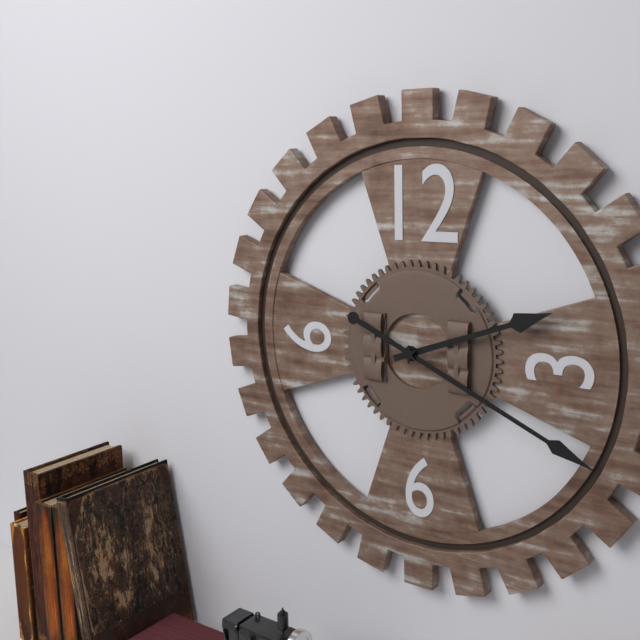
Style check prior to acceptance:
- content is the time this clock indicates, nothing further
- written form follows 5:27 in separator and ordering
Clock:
2:19
